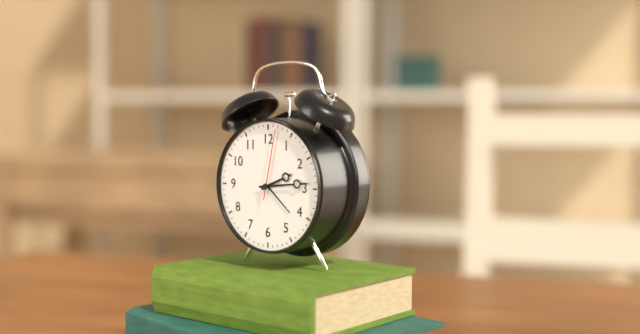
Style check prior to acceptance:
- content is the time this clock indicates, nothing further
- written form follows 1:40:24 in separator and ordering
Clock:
2:14:02
